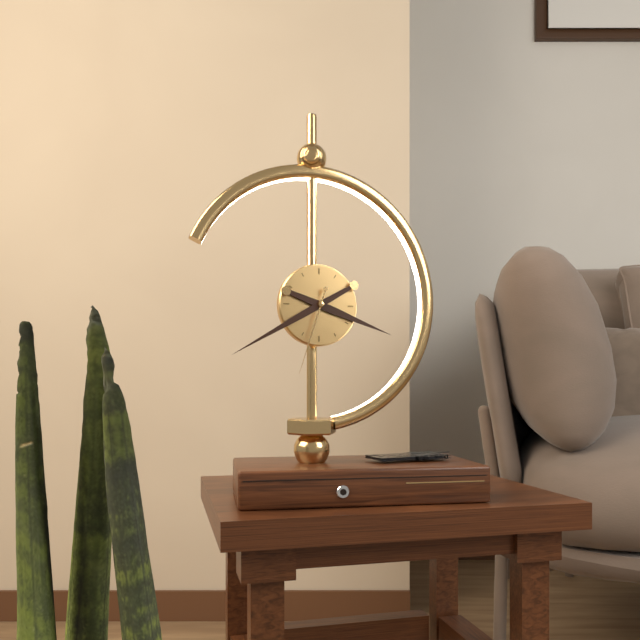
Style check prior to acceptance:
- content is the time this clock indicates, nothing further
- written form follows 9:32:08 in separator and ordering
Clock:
3:40:33
